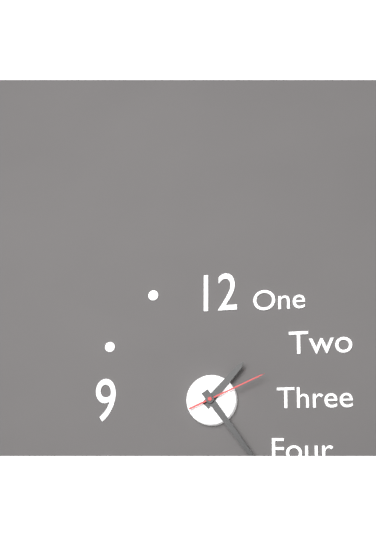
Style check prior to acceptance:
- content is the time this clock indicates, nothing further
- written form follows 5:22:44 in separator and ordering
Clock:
1:24:11
